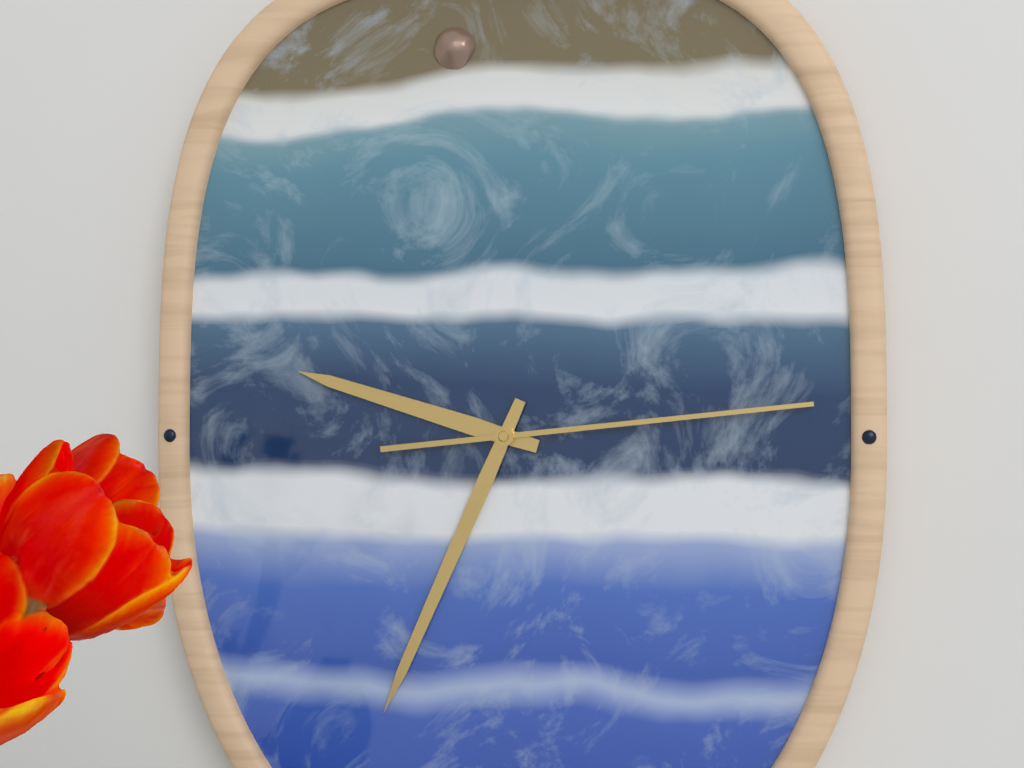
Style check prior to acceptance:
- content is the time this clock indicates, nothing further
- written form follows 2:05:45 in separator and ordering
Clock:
9:34:14
